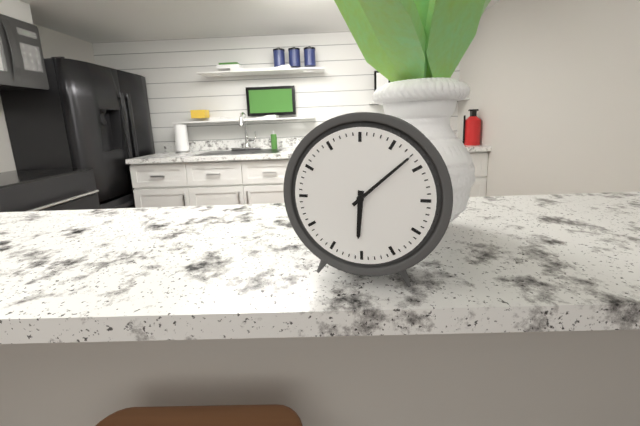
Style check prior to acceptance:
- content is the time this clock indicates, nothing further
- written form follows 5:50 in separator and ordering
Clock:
6:08
